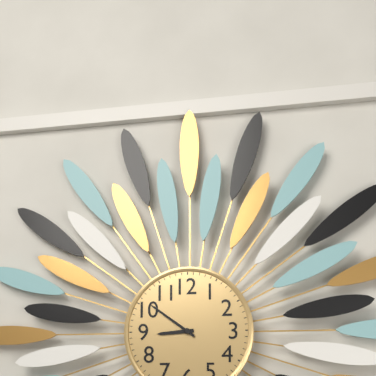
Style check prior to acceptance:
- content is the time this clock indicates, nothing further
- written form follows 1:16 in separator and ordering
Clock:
8:51
